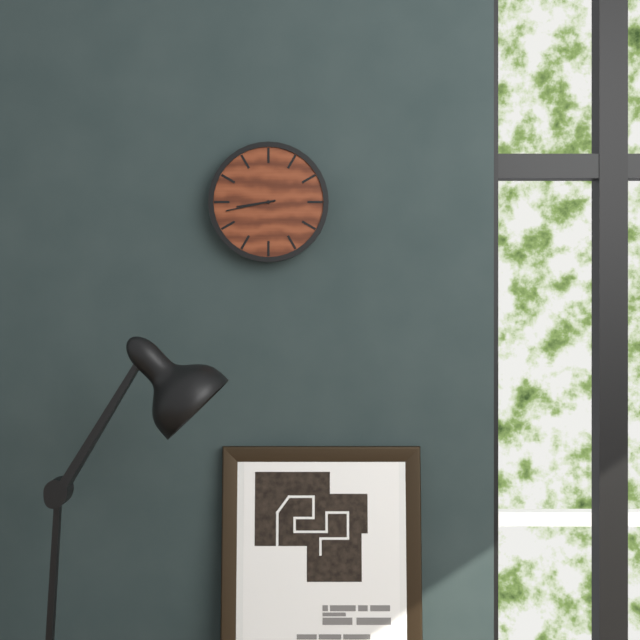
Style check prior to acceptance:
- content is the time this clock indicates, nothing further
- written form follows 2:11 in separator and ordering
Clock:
8:43
